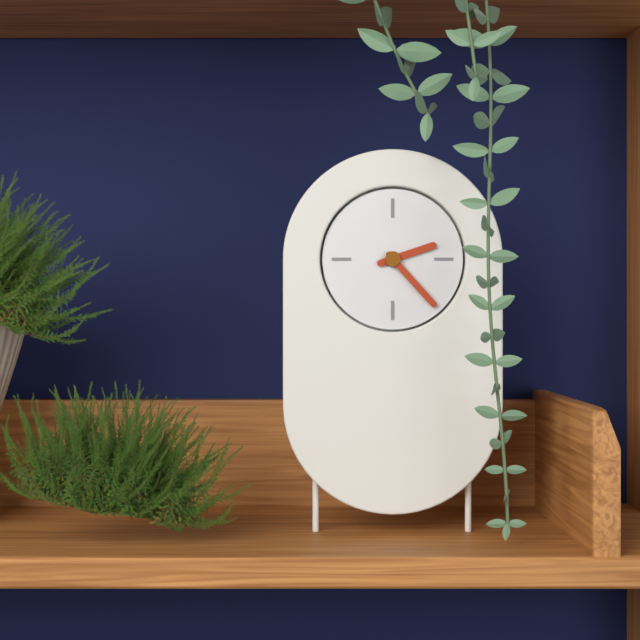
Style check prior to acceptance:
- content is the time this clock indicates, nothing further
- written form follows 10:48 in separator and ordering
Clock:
2:23
